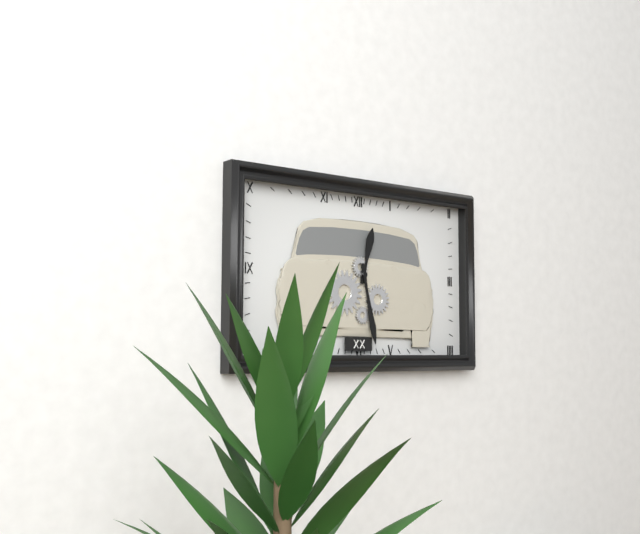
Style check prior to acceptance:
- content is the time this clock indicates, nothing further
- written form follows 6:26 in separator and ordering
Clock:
12:28
